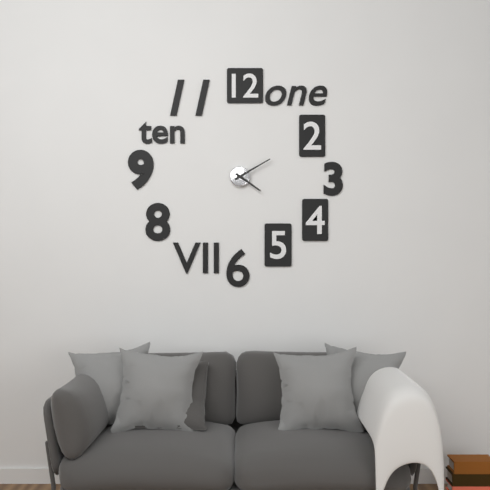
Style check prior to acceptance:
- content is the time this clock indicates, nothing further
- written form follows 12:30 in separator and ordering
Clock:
4:10
